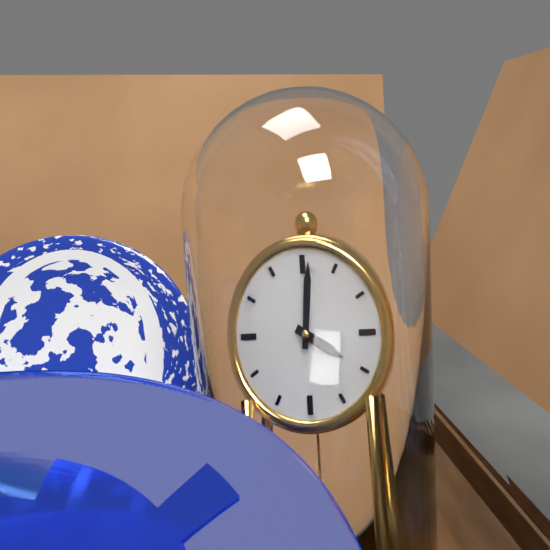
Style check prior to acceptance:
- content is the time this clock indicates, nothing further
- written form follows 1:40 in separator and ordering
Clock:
4:01
